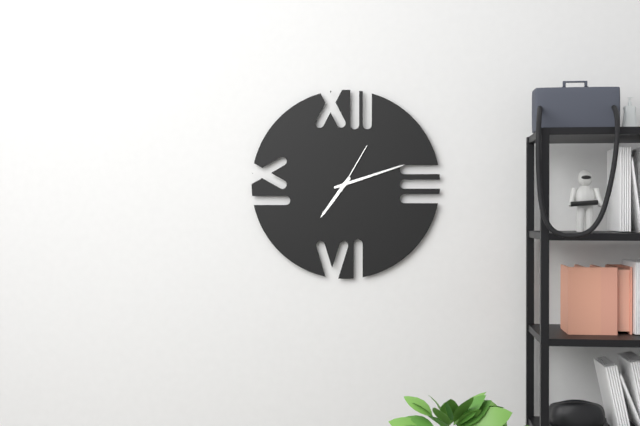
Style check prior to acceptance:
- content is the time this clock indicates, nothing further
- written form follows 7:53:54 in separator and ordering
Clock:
7:12:05
